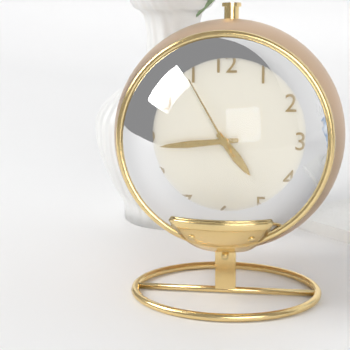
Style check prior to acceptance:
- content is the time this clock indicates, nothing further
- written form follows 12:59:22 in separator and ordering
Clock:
4:44:55
